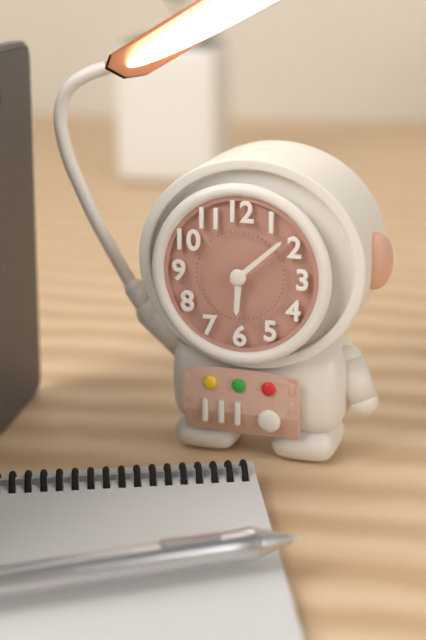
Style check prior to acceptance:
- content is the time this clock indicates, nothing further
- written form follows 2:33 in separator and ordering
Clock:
6:08
